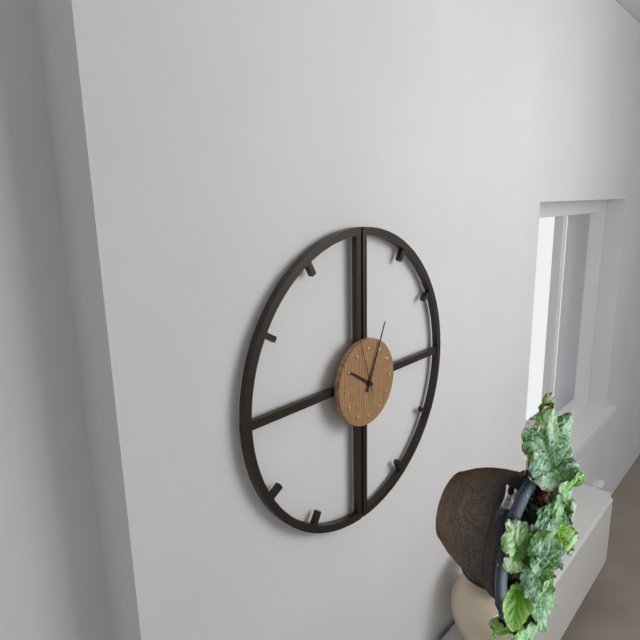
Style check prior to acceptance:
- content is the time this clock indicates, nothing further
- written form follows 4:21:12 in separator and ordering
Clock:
10:04:57
